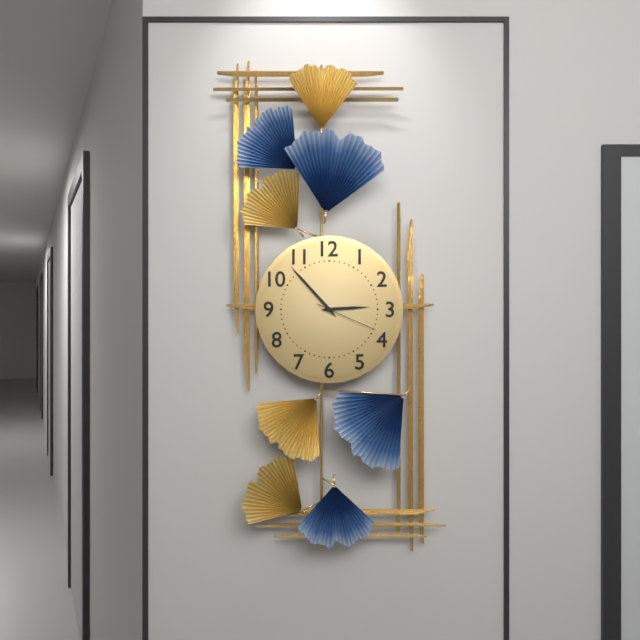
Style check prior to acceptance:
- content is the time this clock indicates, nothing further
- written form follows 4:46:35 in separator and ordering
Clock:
2:53:19
